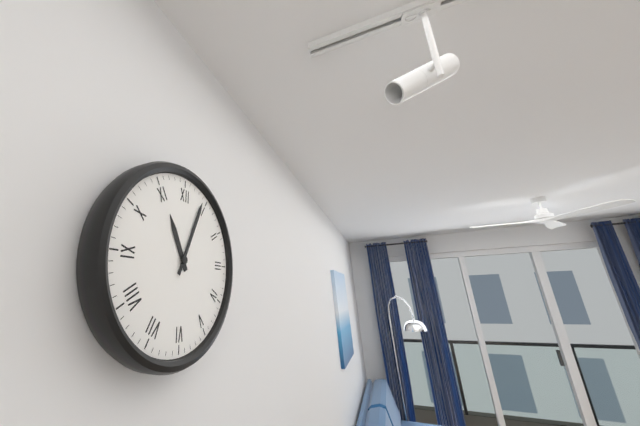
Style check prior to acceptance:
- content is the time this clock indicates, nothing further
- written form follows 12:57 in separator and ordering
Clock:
11:04
